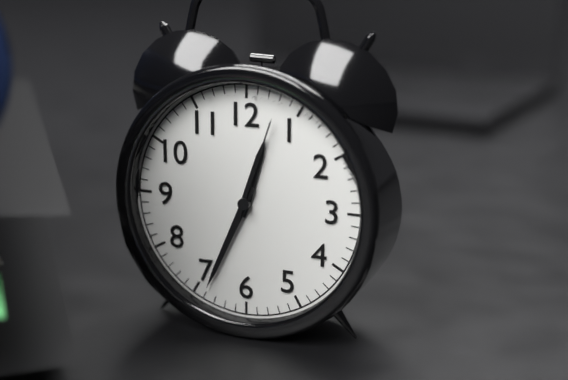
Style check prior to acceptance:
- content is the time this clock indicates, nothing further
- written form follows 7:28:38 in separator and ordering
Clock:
12:34:03
